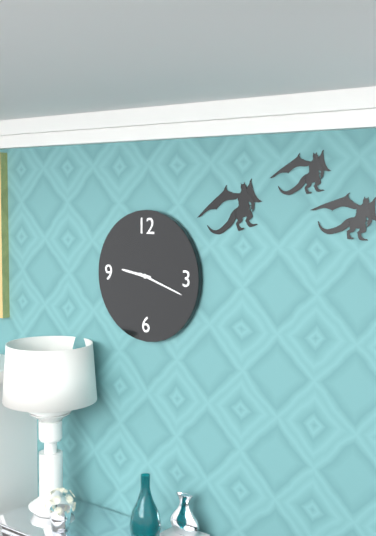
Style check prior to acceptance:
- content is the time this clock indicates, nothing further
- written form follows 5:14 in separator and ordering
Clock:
9:18
